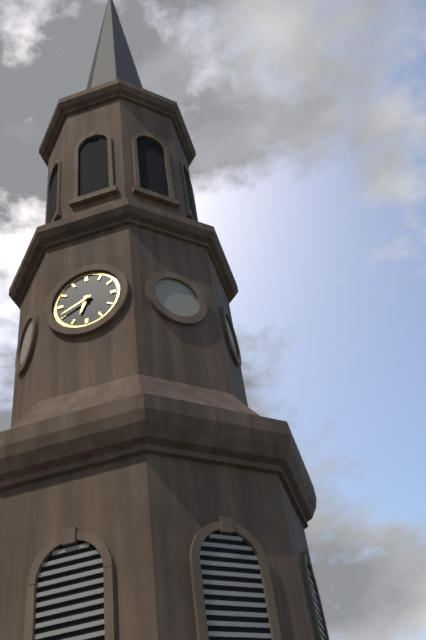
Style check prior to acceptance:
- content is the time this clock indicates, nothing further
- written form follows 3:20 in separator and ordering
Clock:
6:41
